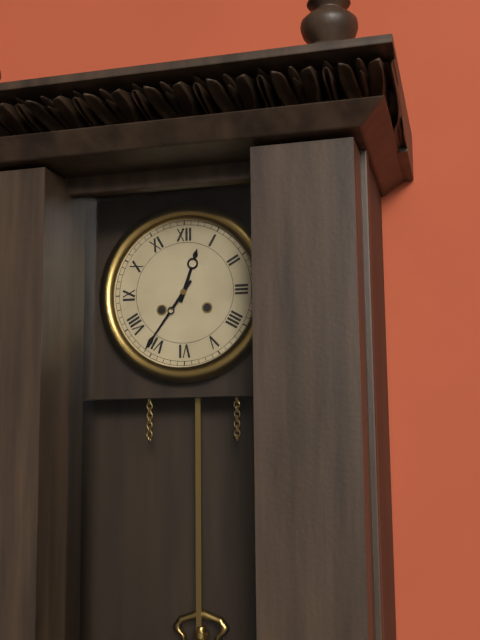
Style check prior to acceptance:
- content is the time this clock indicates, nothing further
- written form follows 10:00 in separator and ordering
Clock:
12:36
